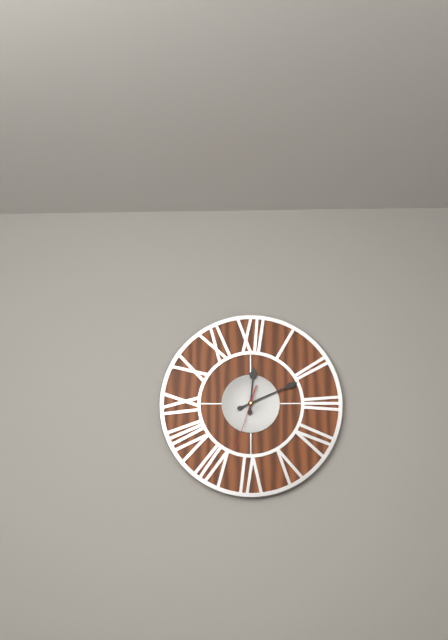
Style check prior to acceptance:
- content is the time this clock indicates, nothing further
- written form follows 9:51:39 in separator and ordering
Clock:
12:11:33
